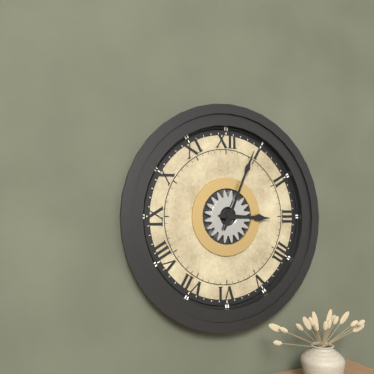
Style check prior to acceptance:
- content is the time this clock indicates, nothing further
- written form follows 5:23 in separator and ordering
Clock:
3:04
